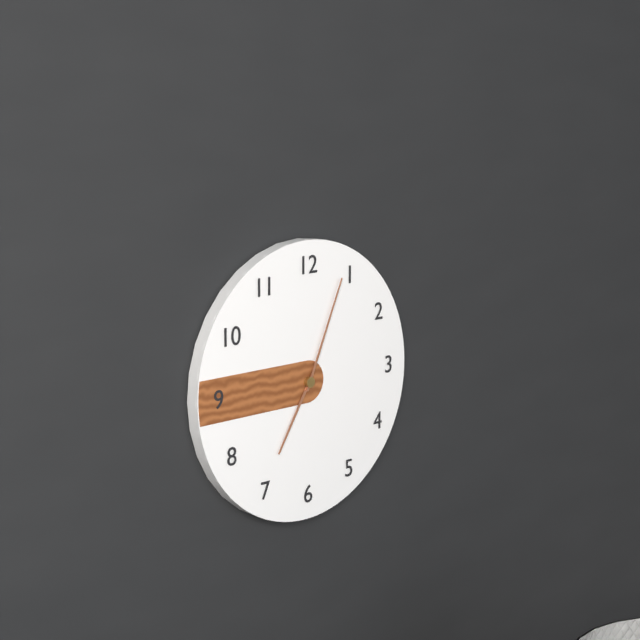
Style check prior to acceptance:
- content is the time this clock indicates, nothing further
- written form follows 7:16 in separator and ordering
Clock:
7:04
